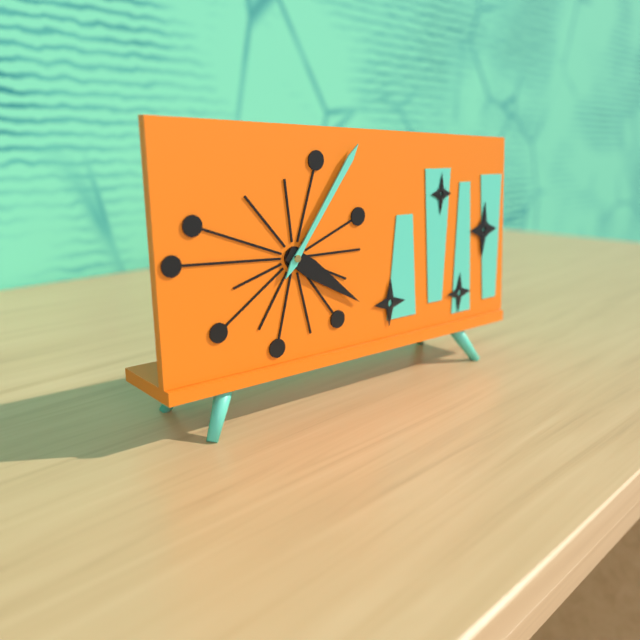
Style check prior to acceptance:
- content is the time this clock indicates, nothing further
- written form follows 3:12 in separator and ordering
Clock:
4:06
